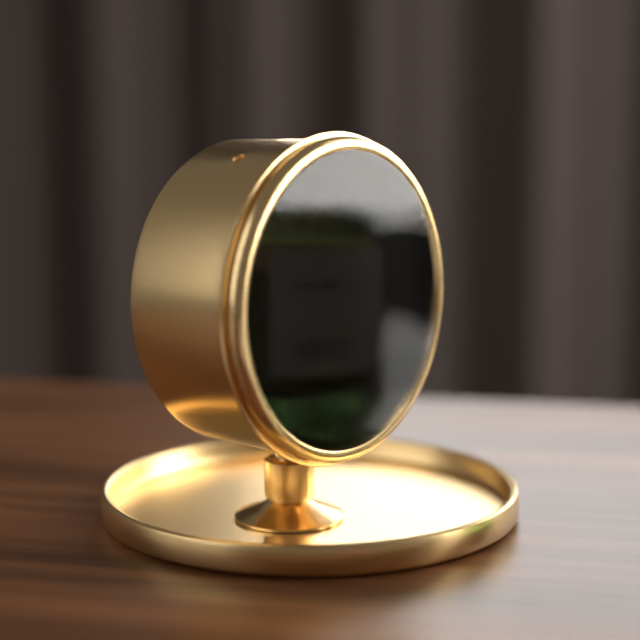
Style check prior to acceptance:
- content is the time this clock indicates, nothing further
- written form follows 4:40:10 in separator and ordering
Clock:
6:26:28
